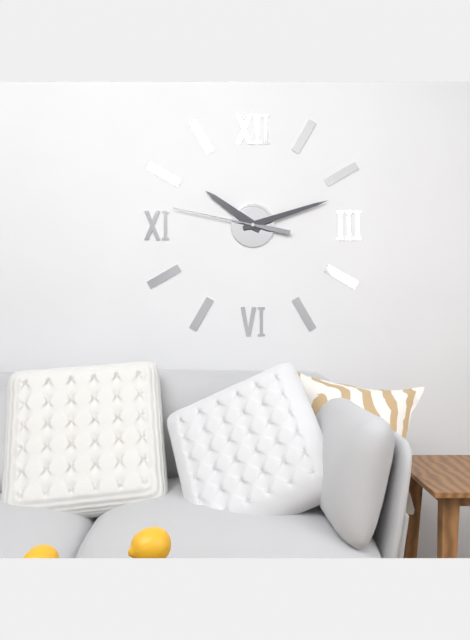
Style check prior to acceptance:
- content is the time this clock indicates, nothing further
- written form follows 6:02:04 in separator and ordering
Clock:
10:12:47
